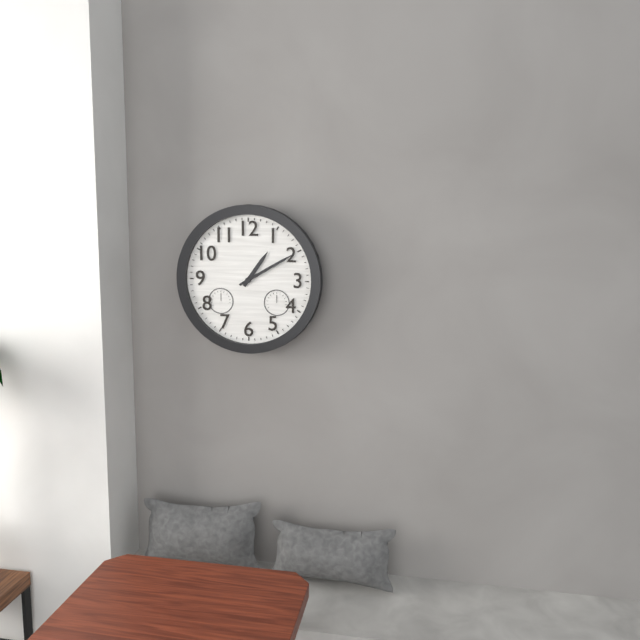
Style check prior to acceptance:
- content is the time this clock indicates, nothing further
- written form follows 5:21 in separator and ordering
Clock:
1:10
